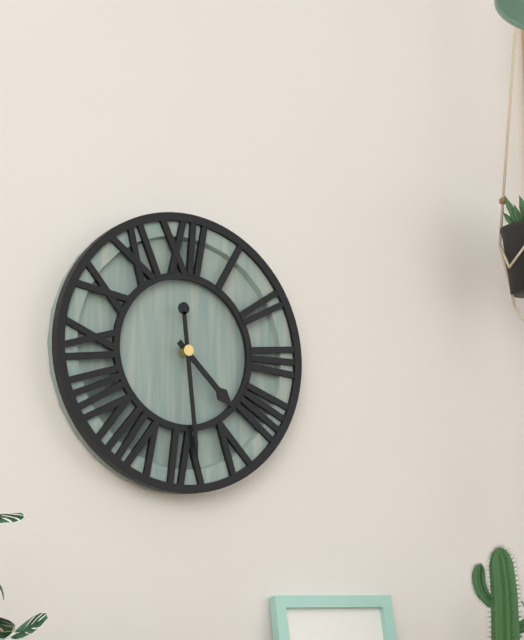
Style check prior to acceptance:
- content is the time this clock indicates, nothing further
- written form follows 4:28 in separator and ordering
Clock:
4:29
